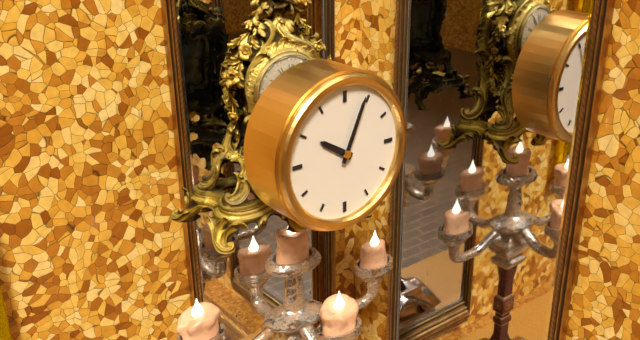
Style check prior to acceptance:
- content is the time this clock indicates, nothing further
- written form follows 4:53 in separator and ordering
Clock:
10:04
